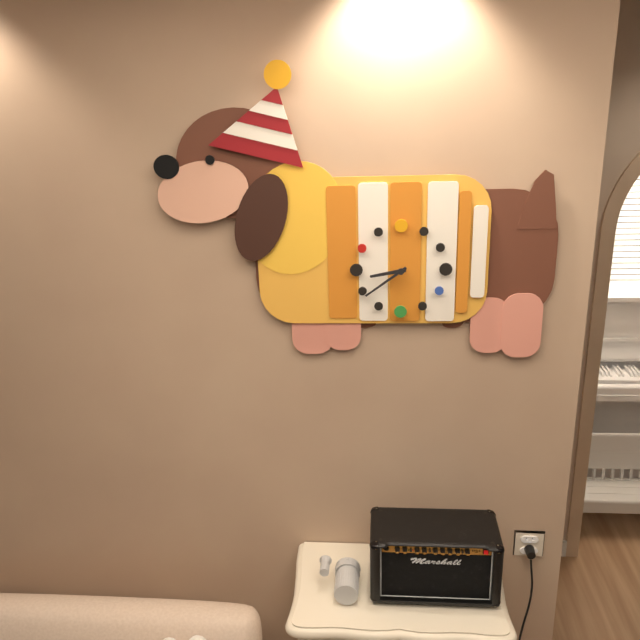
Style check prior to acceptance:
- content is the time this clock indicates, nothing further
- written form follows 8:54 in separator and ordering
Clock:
8:39
